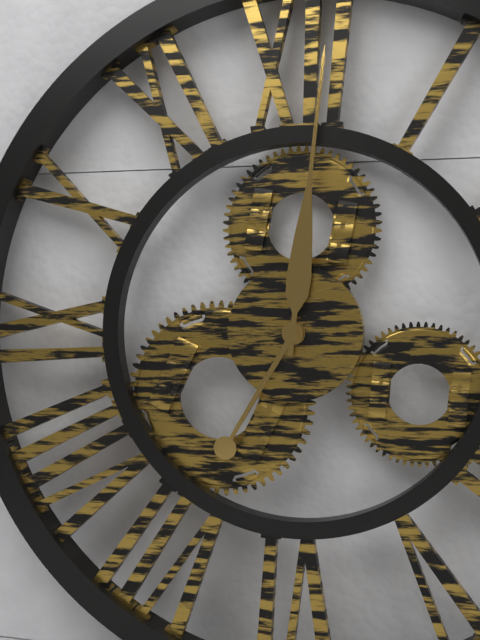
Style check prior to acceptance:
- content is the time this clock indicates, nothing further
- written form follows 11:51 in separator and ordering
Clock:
7:01
